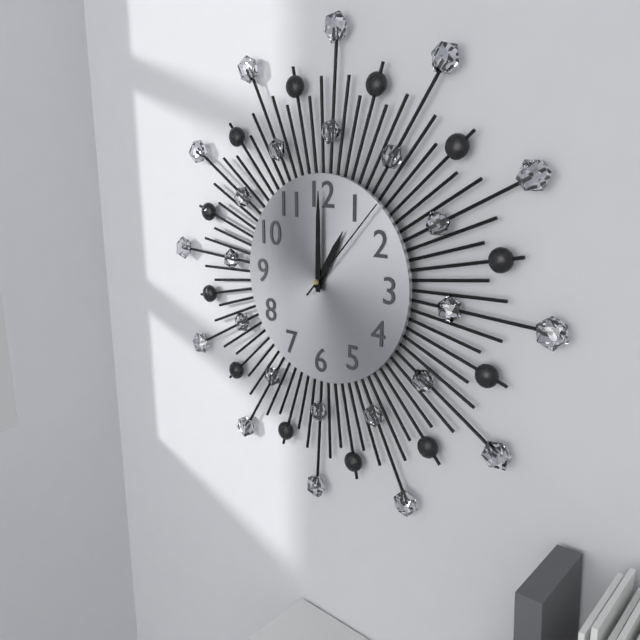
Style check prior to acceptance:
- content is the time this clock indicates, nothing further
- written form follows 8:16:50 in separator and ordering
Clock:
1:00:07
